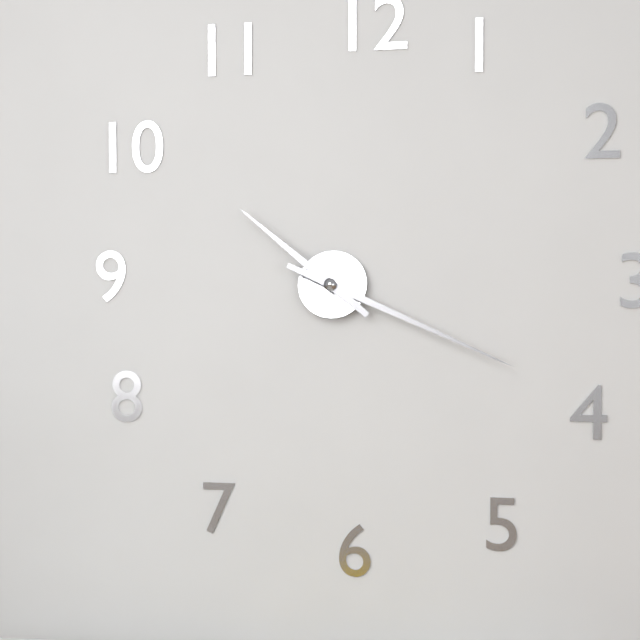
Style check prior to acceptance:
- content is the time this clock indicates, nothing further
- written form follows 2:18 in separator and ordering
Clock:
10:19
